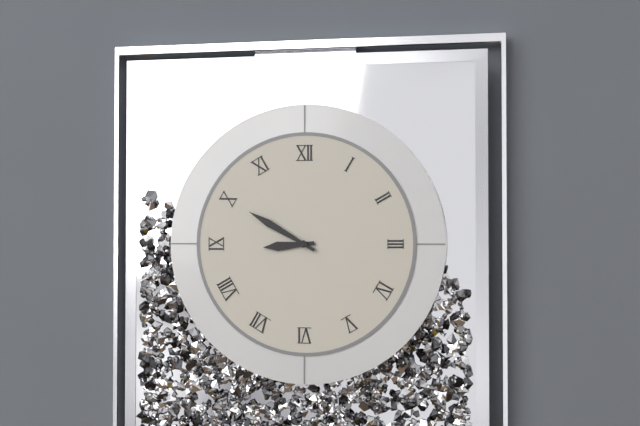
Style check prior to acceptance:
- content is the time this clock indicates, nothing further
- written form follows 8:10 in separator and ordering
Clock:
8:50
